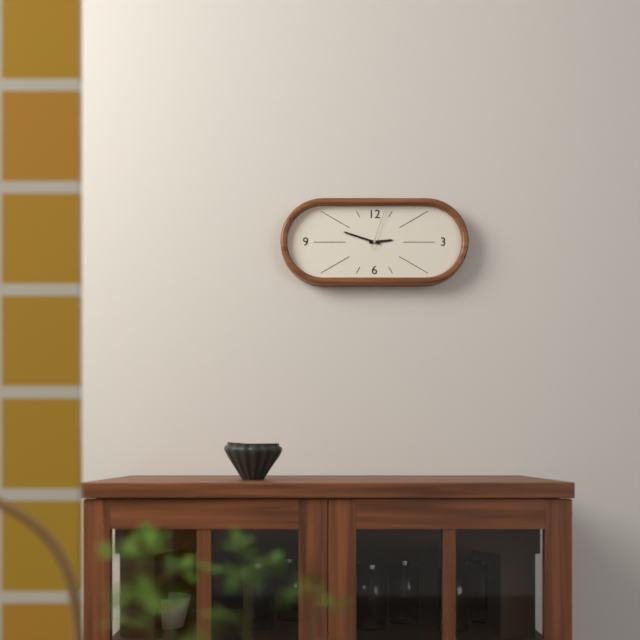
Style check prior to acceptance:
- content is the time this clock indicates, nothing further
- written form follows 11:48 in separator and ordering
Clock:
2:48
